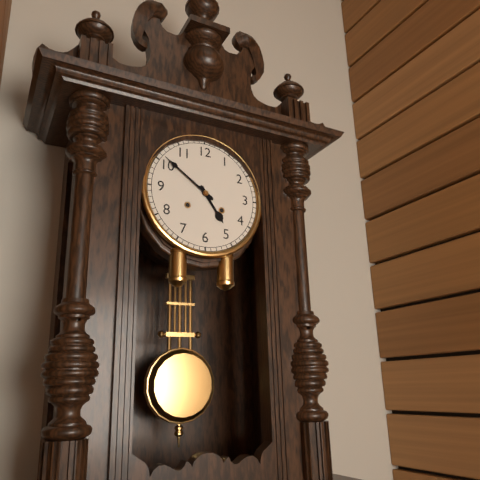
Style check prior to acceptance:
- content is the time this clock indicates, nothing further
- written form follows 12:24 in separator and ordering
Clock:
4:51
